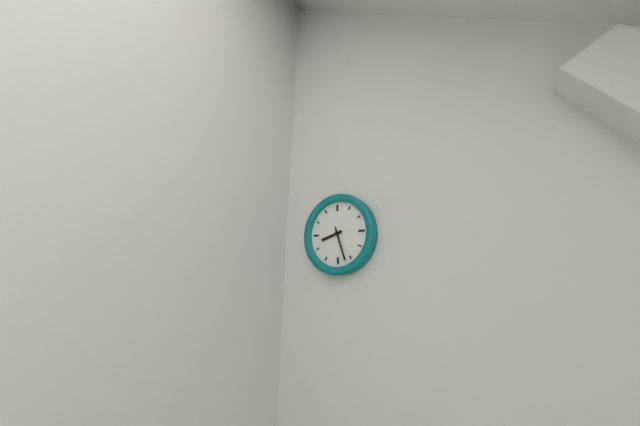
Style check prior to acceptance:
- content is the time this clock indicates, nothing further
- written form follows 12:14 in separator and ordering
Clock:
8:27
